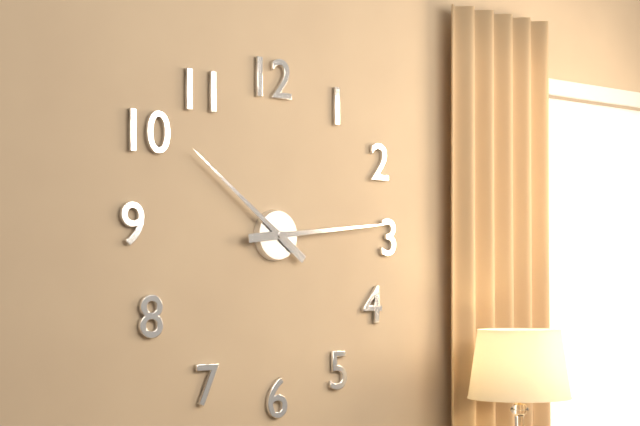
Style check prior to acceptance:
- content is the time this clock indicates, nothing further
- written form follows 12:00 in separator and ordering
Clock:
10:14
